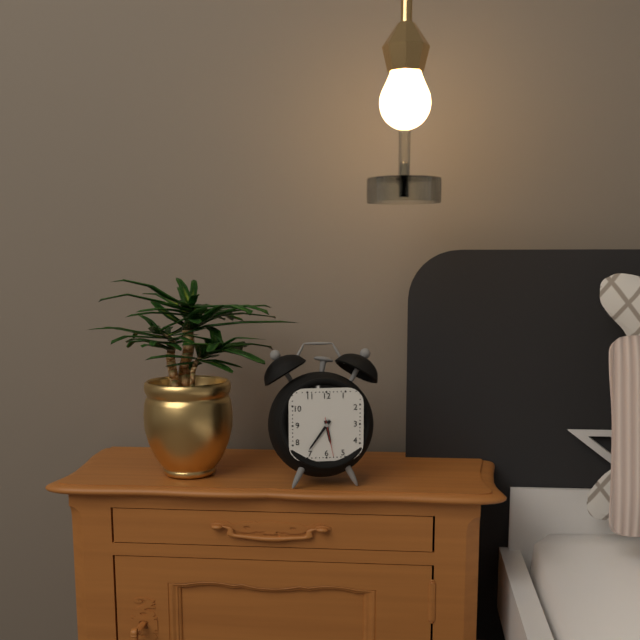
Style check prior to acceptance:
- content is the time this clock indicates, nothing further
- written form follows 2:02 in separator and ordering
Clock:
5:36
